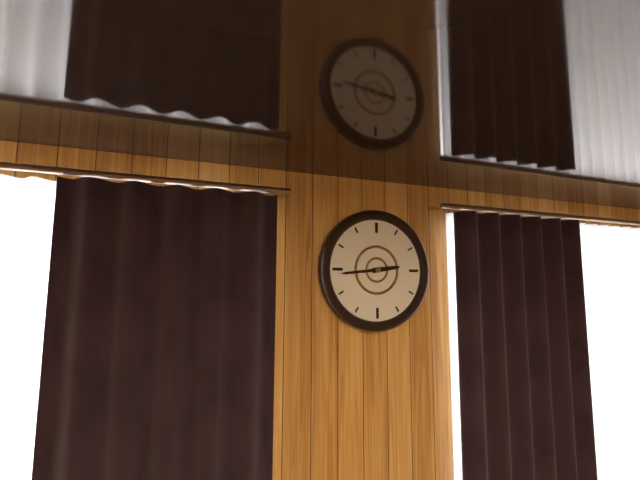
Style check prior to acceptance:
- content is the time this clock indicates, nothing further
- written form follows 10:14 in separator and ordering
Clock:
2:44
